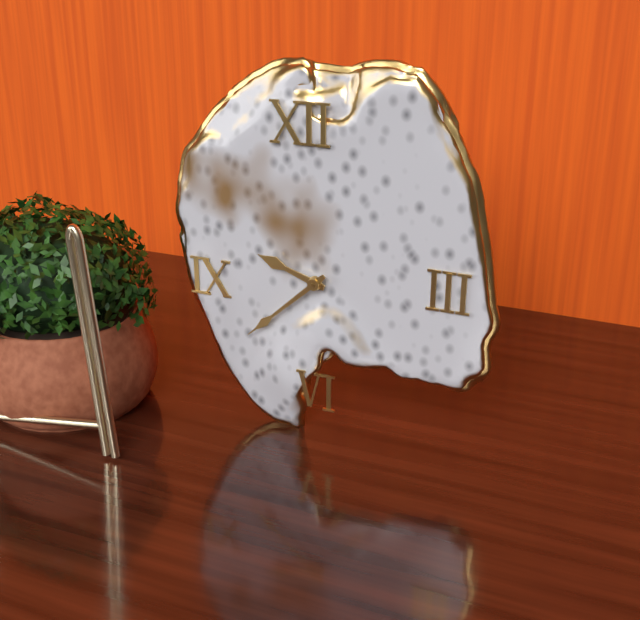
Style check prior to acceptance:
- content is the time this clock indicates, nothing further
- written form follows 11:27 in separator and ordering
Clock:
9:38
